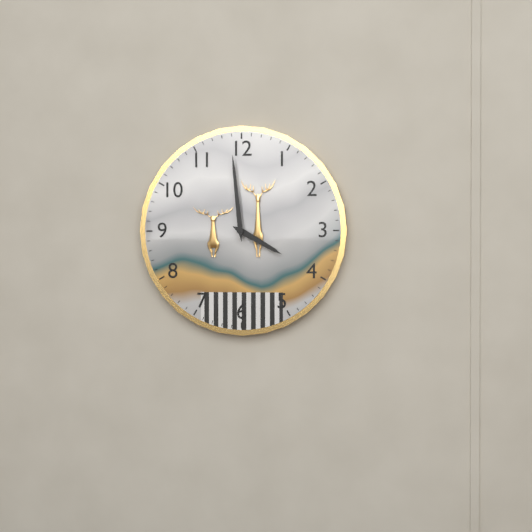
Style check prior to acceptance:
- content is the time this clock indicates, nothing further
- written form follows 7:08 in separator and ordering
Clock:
3:59
